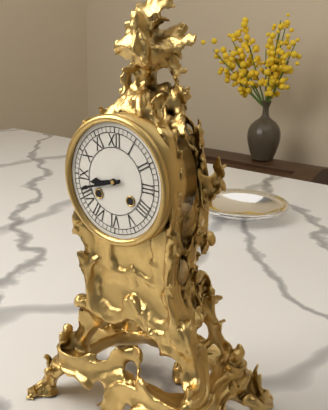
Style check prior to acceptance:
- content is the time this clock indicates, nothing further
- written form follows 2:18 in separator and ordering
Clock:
8:42
